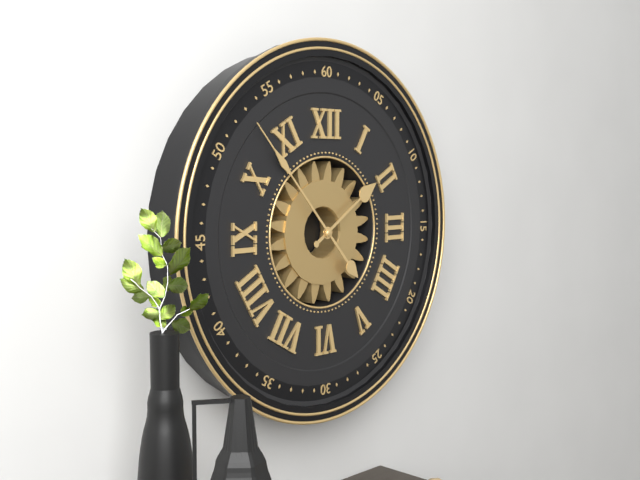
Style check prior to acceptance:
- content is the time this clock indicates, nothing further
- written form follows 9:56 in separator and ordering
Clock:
1:53
